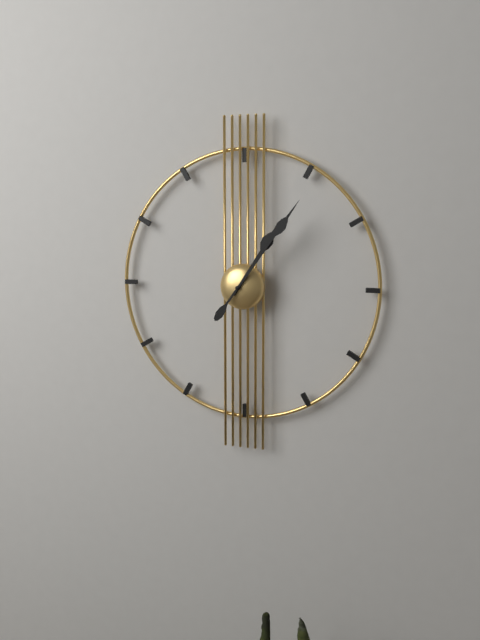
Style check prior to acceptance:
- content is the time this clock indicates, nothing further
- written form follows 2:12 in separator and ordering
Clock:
1:06
